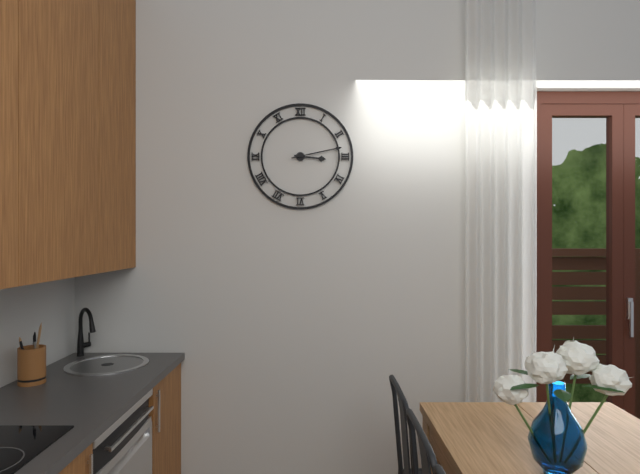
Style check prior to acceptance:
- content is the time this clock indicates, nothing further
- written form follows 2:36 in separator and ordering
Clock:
3:13
